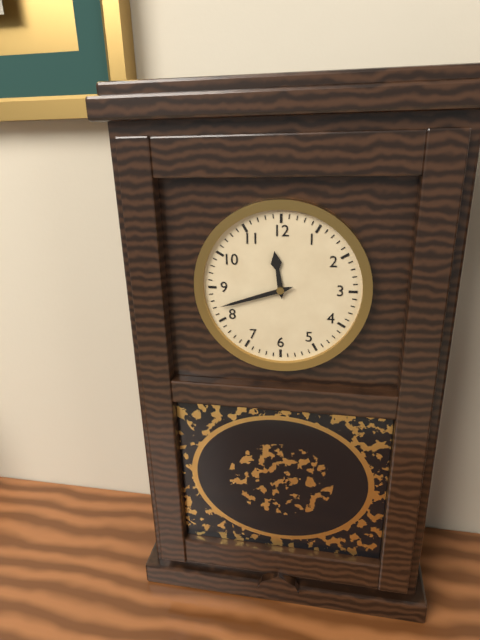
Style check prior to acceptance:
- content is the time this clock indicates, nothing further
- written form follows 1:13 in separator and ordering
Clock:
11:42
